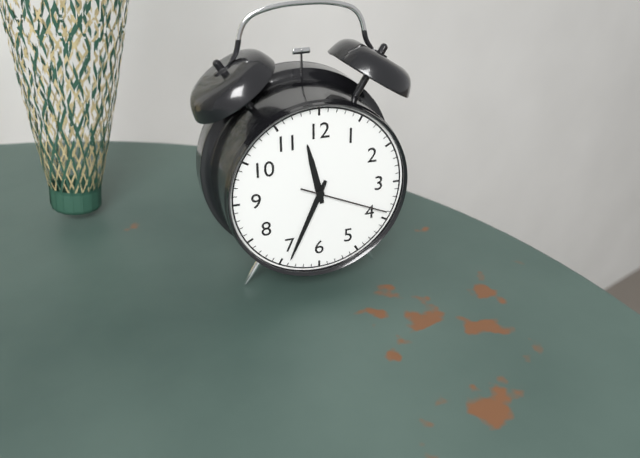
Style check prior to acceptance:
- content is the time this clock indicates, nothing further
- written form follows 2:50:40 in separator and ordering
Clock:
11:34:19
